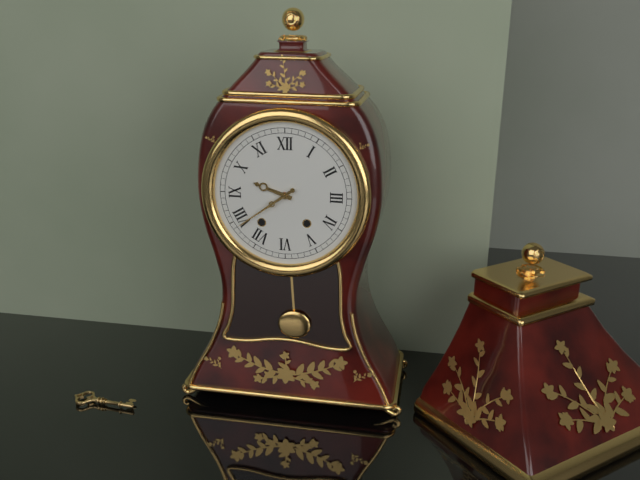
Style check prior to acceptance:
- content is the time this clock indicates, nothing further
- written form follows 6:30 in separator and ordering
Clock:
9:39
